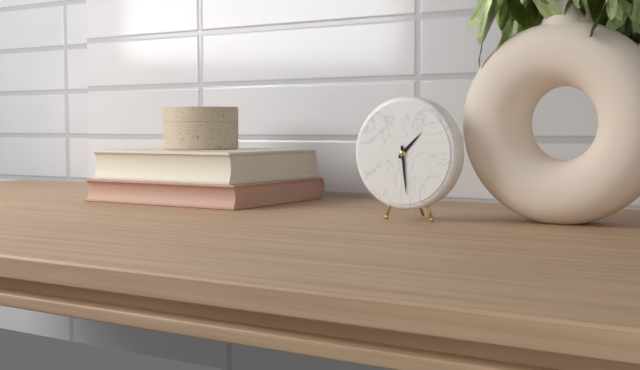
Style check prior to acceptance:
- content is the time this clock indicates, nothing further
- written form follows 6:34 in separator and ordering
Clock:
1:29
